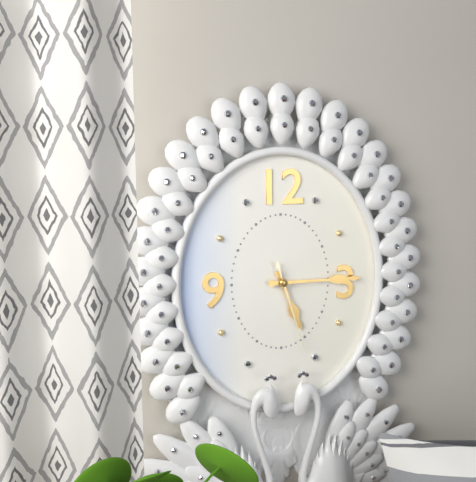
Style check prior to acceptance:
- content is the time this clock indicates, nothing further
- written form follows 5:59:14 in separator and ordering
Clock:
5:15:27
